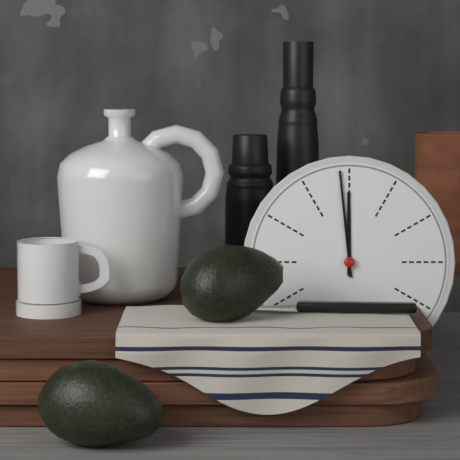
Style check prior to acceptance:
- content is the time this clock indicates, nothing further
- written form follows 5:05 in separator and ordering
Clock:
11:59
